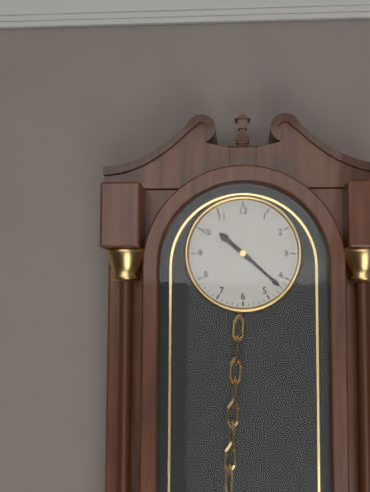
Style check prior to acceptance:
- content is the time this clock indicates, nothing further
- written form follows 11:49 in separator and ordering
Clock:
10:22
